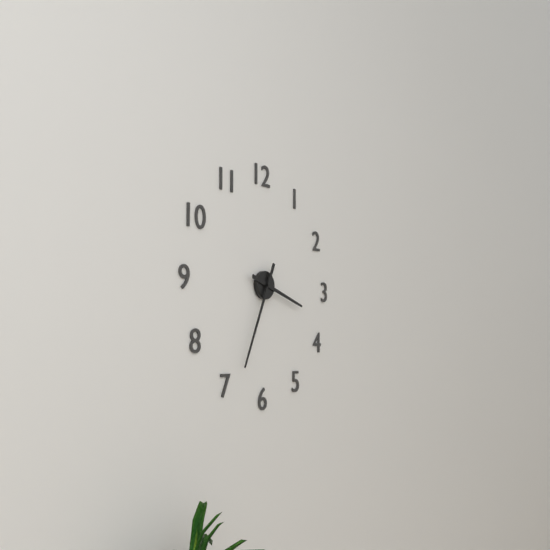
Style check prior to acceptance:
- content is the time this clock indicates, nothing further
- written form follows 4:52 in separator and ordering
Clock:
3:34
